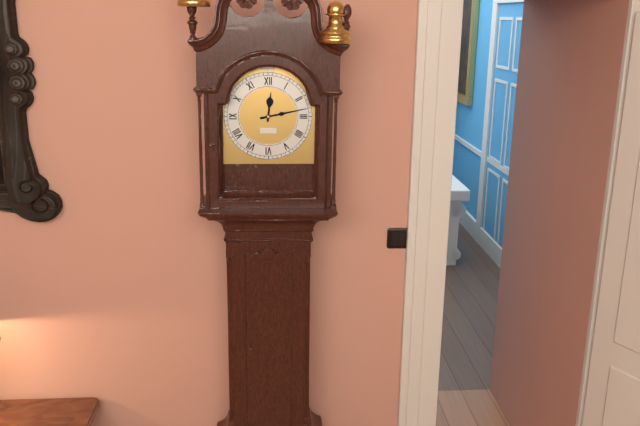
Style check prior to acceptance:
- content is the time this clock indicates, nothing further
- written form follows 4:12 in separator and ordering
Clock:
12:13
